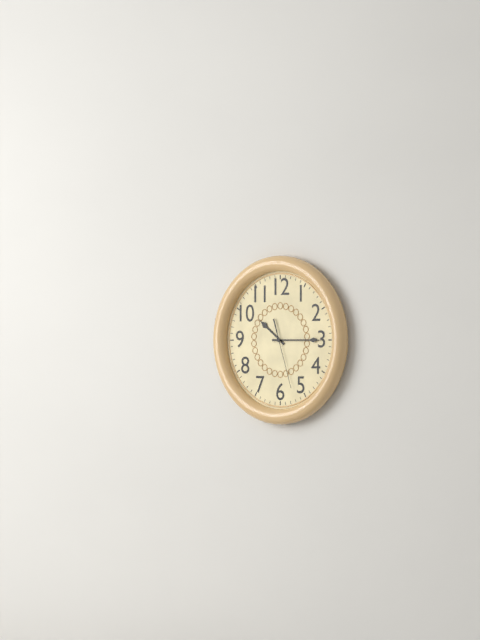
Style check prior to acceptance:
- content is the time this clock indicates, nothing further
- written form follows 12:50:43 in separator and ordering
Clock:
10:15:27
